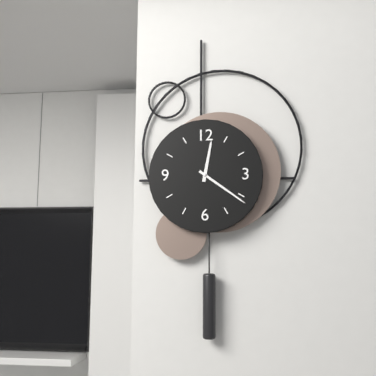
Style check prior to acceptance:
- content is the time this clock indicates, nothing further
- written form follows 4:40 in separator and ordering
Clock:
12:21
